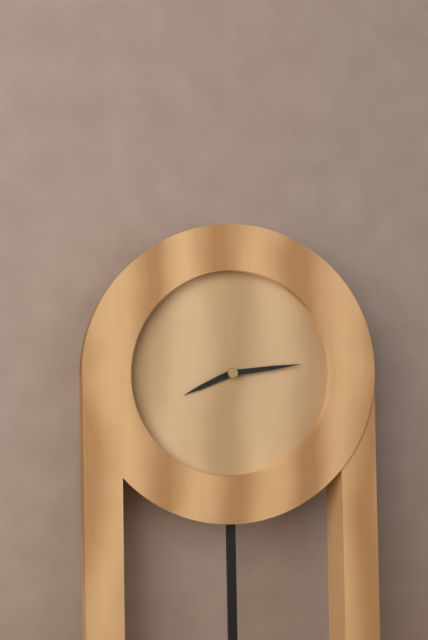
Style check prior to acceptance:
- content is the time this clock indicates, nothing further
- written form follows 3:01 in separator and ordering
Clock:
8:14
